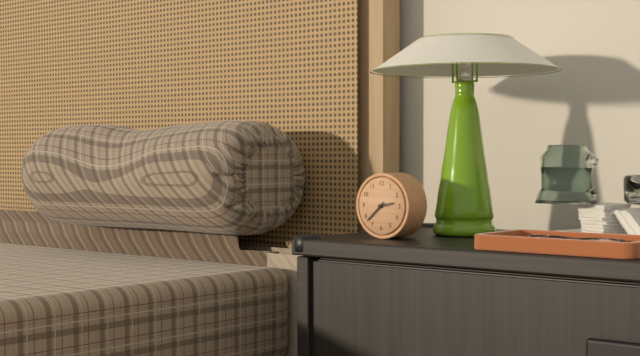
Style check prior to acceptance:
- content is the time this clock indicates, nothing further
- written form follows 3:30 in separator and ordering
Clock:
2:38
